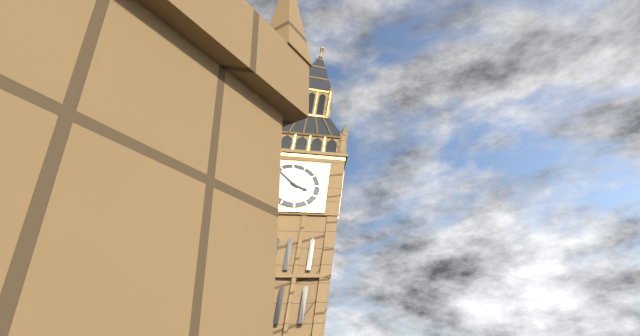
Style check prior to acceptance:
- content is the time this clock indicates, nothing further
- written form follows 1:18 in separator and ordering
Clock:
3:53
